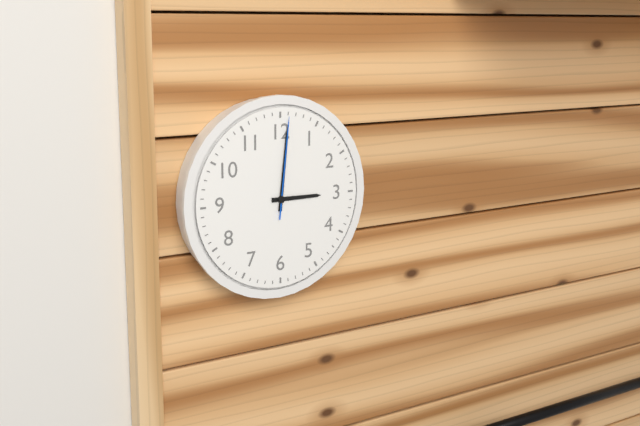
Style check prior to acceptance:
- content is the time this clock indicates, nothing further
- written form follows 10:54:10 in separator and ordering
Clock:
3:01:01
